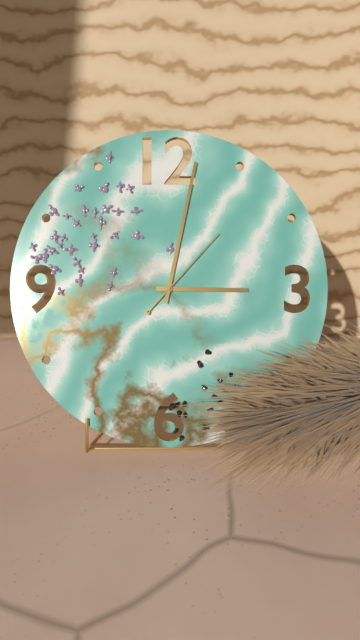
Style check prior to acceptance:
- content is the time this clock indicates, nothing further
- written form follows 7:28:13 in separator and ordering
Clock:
3:02:07
